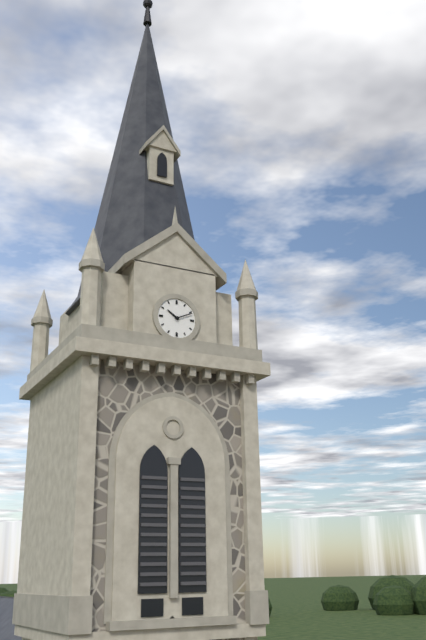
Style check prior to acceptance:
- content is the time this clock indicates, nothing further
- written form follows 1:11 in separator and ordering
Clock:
10:11
